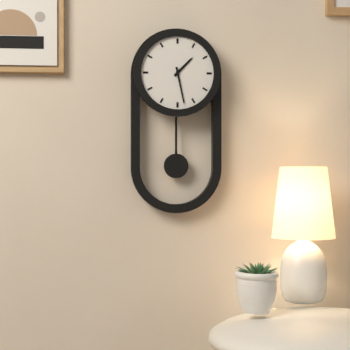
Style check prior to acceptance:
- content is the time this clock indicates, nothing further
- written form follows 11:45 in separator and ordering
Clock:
1:28
